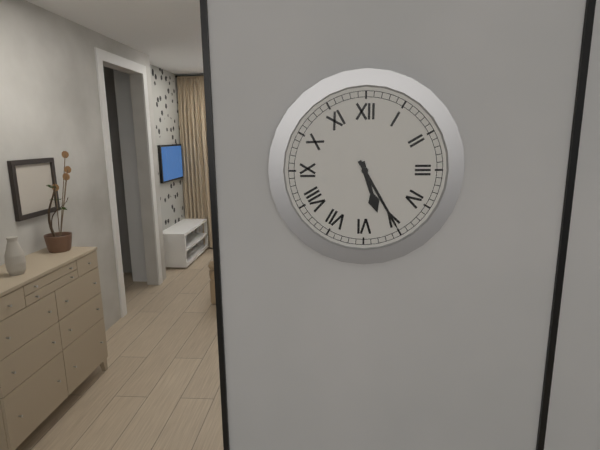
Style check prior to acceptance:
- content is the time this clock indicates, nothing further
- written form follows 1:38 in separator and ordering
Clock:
5:25
